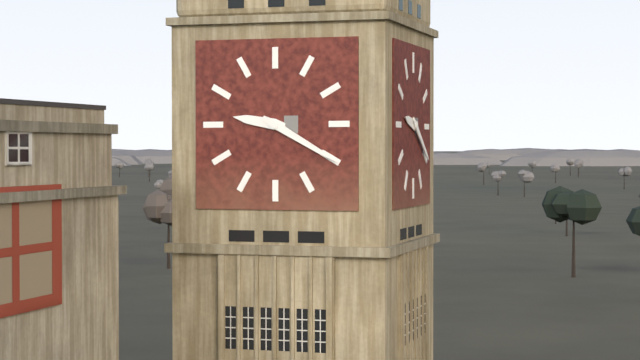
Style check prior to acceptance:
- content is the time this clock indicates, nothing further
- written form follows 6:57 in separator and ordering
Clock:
9:20
